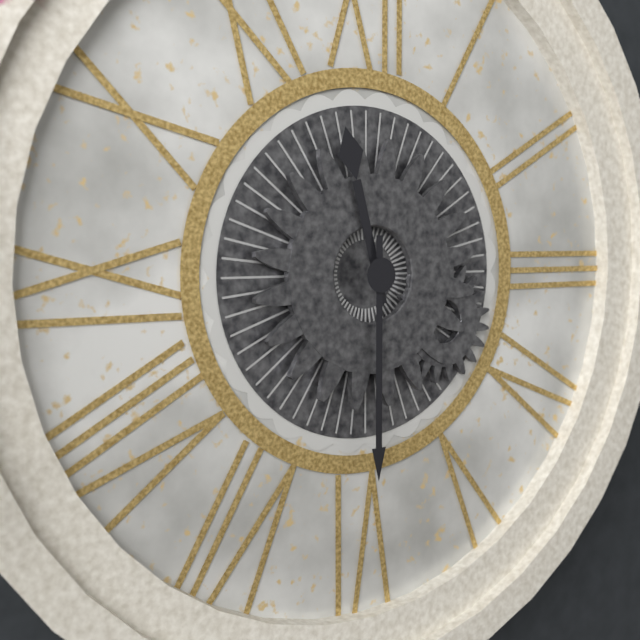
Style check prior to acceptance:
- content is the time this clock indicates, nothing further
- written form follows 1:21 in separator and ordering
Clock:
11:30
